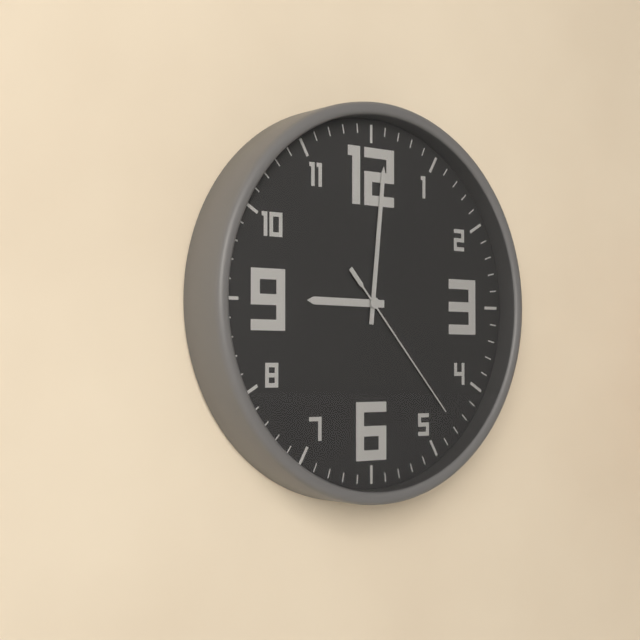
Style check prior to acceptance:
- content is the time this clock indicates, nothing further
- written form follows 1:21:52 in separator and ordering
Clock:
9:01:23
